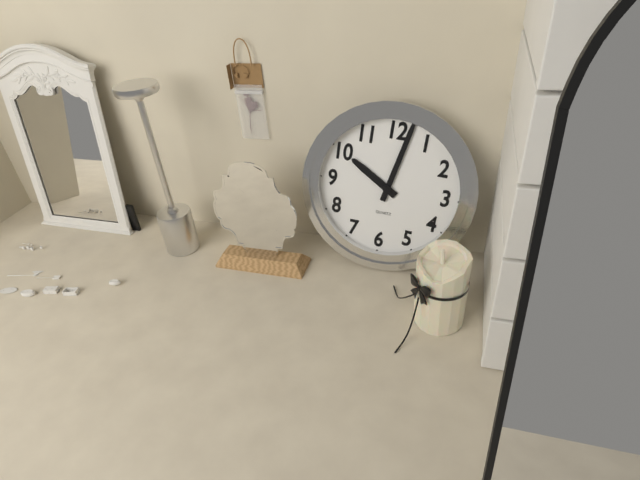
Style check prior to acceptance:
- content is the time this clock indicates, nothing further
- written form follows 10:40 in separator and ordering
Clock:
10:02
